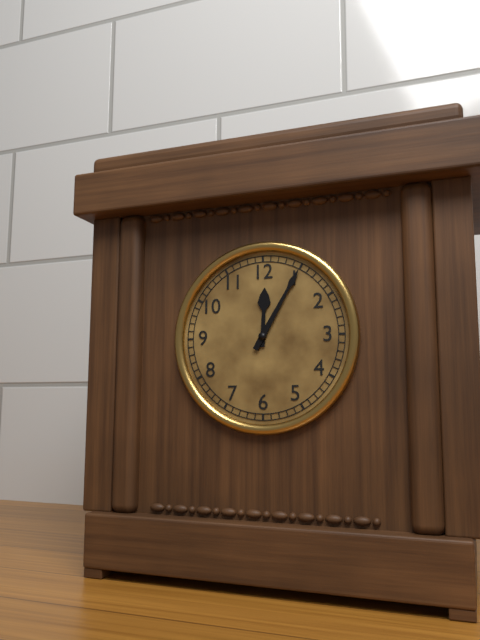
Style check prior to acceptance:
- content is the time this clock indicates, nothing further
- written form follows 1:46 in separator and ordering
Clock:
12:05
